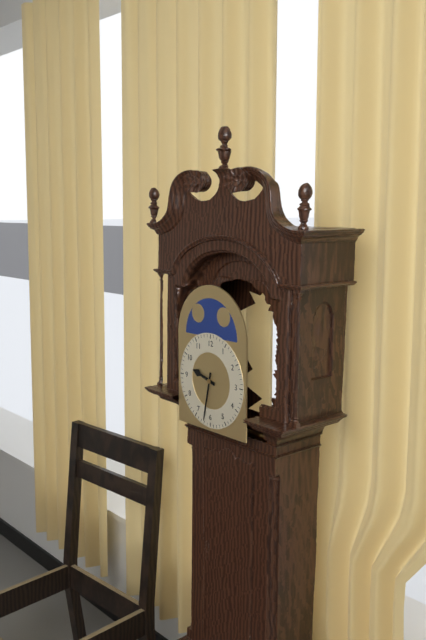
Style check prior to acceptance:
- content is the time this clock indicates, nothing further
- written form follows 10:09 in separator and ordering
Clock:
9:32
